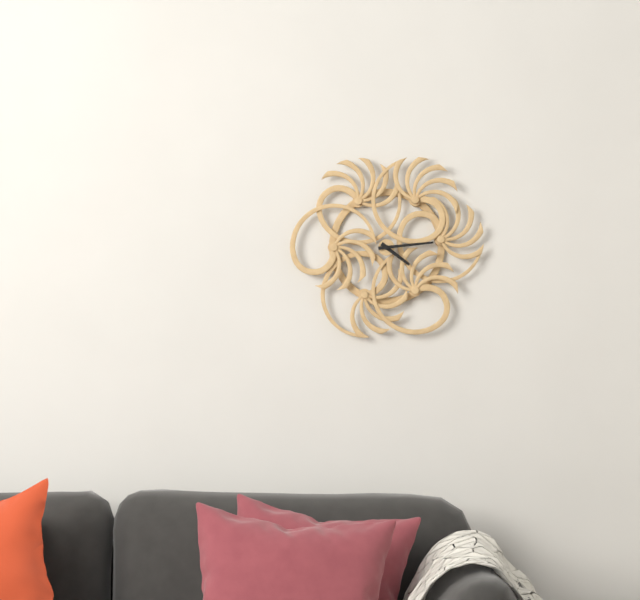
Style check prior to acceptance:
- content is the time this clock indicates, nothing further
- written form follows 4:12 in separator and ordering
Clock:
4:14
